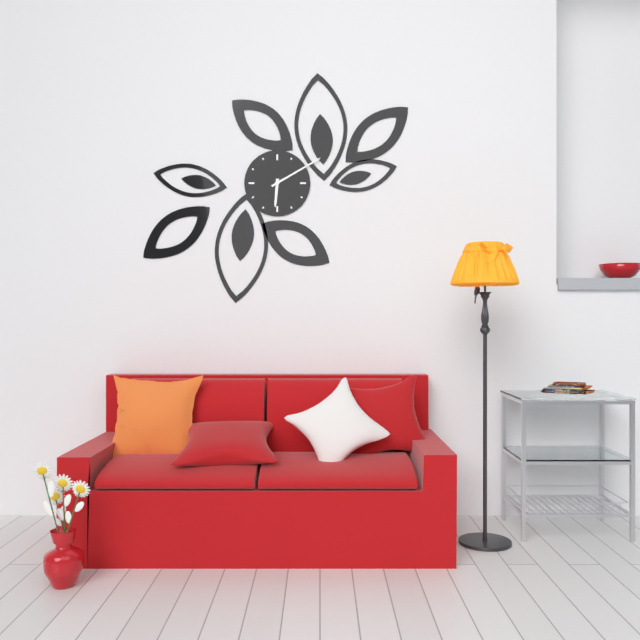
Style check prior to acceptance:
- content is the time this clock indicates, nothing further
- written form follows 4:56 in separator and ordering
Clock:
6:10
